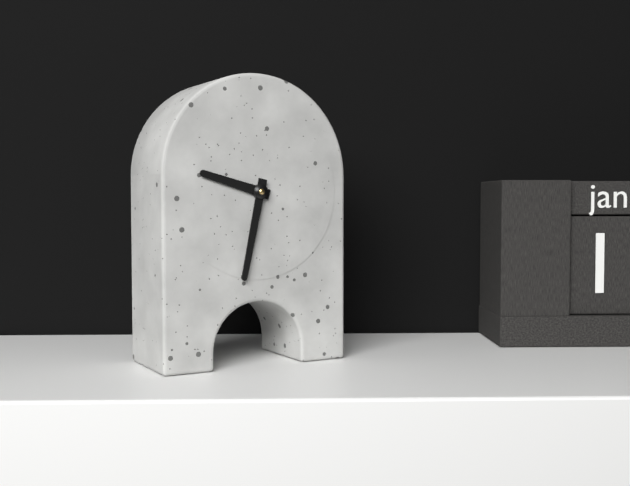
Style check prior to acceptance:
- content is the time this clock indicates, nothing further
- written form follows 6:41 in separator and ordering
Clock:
9:32
